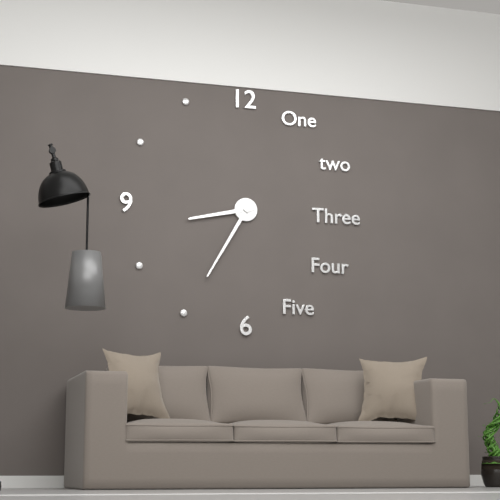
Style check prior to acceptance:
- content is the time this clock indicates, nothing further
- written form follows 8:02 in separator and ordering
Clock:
8:35
